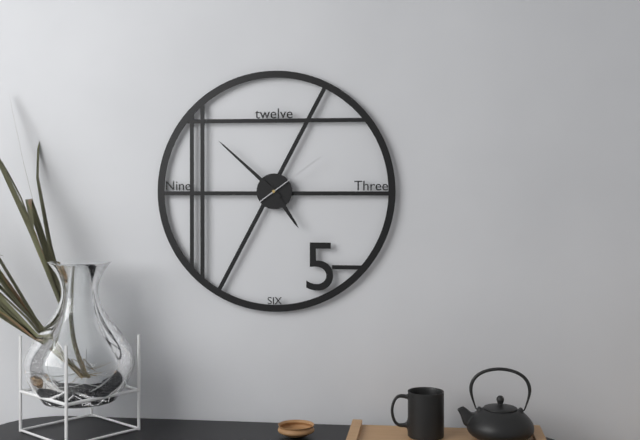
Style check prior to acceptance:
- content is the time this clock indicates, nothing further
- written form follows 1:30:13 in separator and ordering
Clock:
4:52:09
